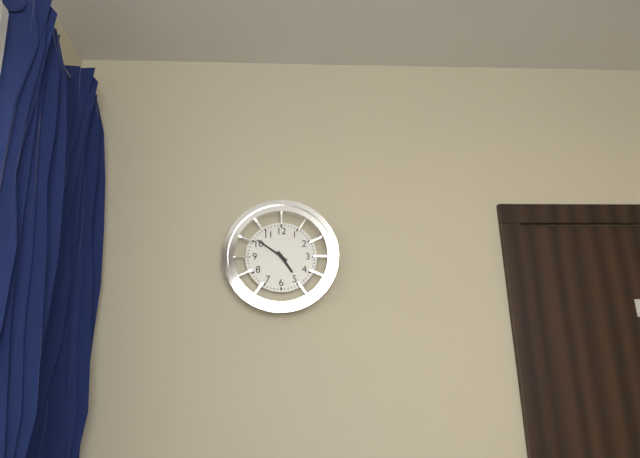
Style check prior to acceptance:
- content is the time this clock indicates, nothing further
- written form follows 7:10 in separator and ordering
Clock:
4:51
